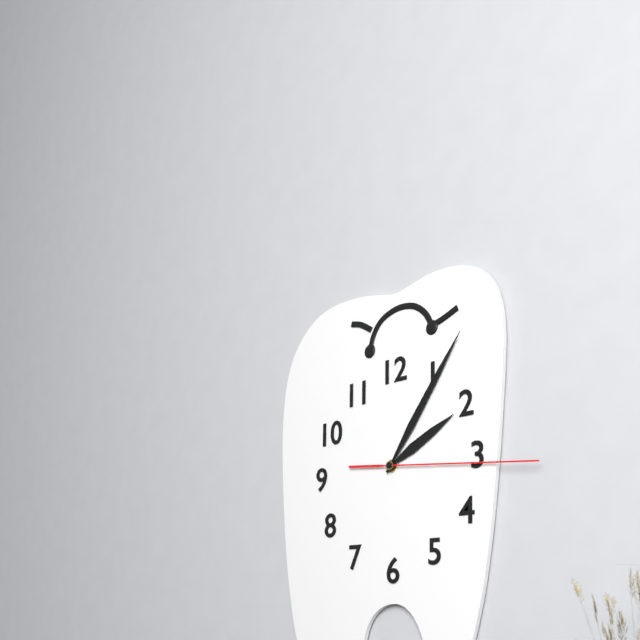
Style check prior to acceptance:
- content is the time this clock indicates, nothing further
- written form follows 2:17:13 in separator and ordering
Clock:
2:06:16
